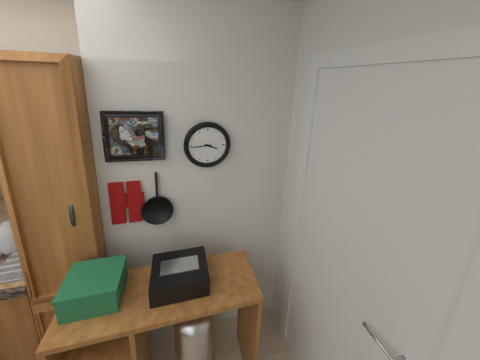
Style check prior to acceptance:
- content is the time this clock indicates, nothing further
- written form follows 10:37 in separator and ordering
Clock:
3:44
